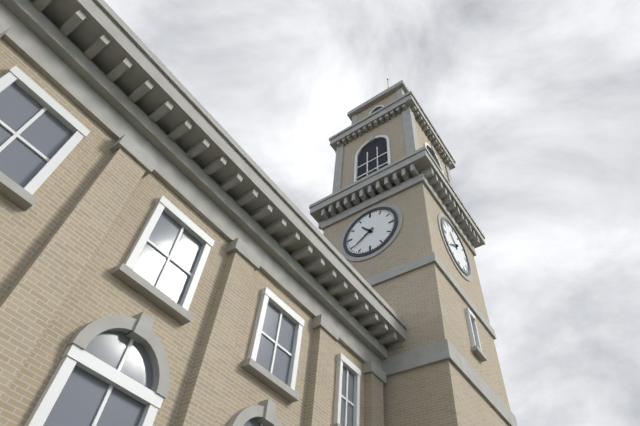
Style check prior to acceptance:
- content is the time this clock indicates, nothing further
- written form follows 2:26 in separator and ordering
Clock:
10:39
